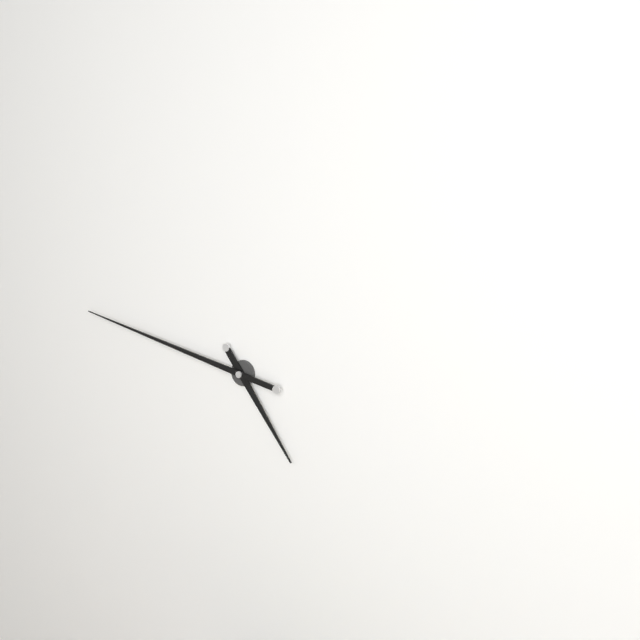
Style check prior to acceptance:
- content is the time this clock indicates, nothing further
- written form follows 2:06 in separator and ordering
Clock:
4:47
